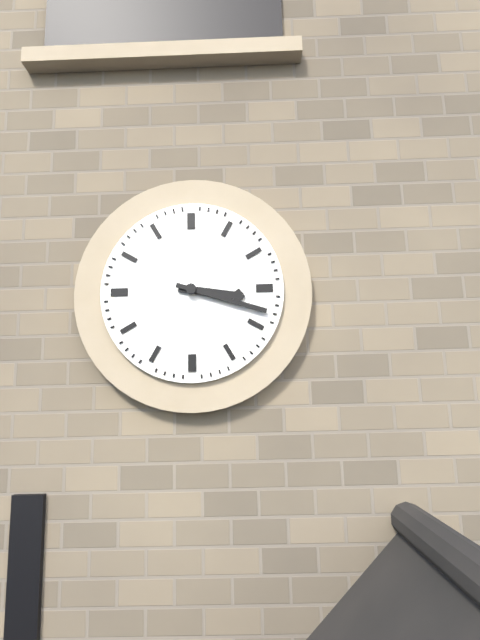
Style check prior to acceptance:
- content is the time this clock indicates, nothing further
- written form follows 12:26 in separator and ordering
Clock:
3:18
